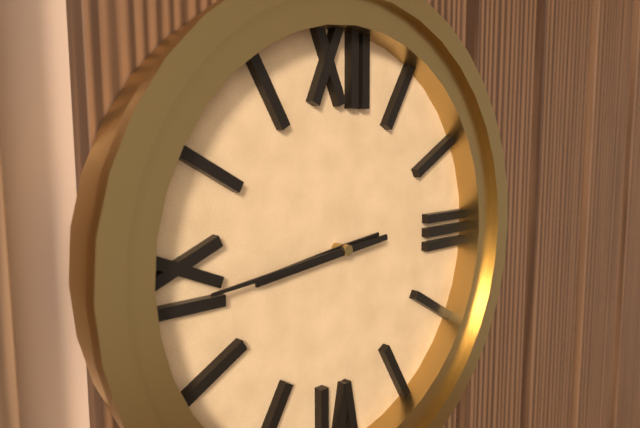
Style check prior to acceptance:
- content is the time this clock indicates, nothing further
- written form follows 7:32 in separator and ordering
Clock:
8:44
